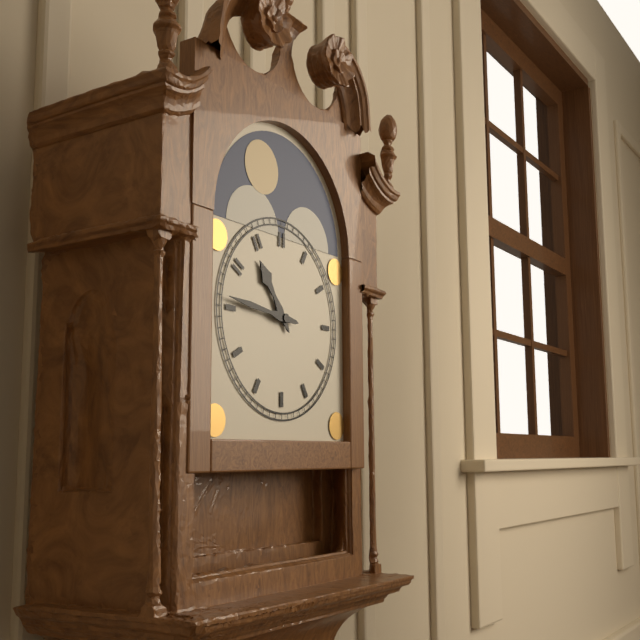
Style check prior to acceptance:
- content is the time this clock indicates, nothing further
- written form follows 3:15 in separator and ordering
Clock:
10:46
